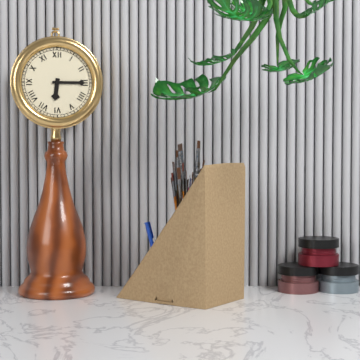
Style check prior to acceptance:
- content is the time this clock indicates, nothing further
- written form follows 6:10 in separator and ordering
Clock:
6:15
